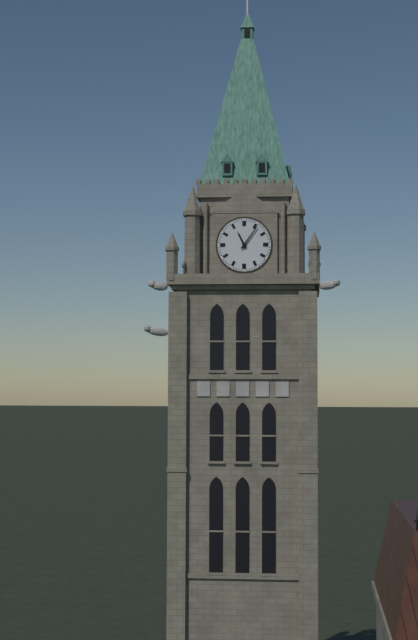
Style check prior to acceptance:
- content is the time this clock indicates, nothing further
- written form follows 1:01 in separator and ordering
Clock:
11:06
